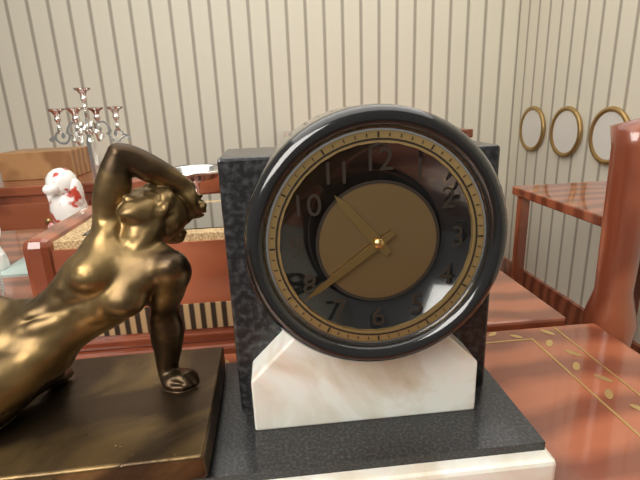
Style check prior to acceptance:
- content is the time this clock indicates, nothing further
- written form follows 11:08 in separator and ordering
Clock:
10:39
